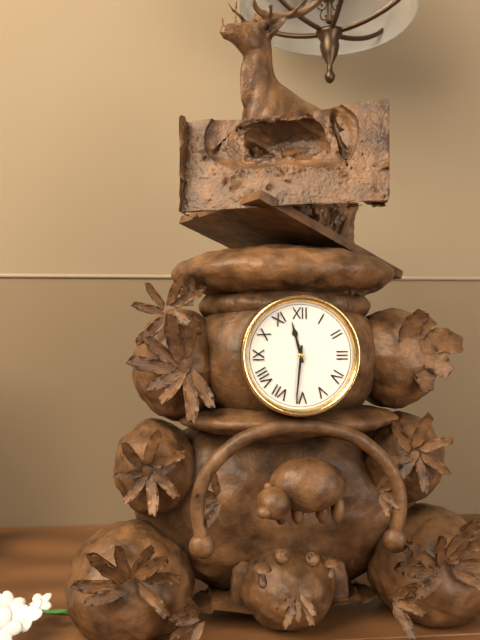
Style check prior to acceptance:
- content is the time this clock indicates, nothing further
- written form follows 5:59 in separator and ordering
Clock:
11:31
